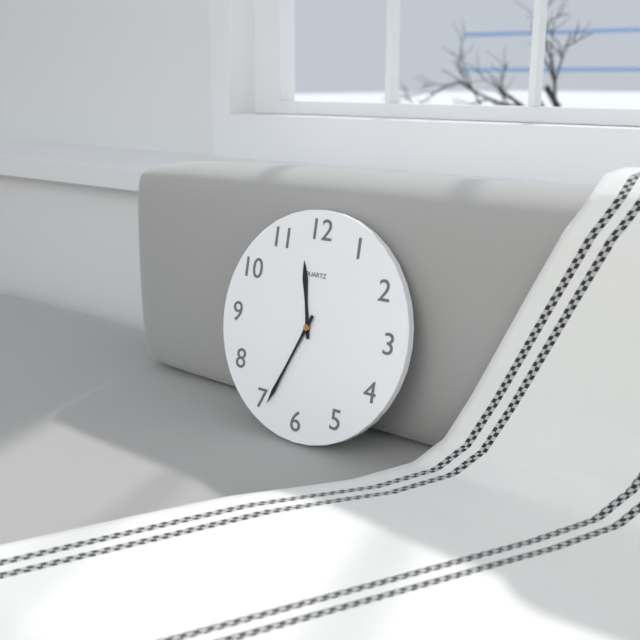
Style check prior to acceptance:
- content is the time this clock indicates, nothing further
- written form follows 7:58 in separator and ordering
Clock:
11:34
